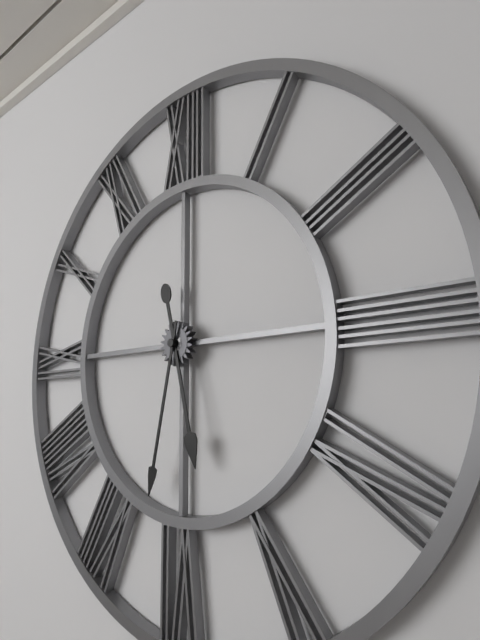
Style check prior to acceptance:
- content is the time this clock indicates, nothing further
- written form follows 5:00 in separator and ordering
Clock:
5:32
